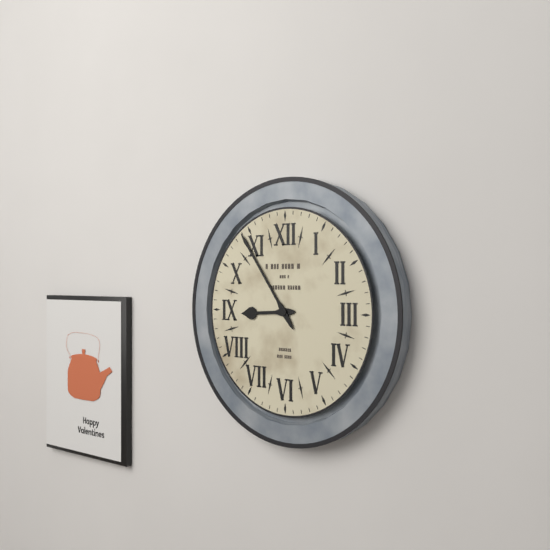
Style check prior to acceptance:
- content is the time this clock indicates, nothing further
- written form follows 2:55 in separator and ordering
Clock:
8:54
